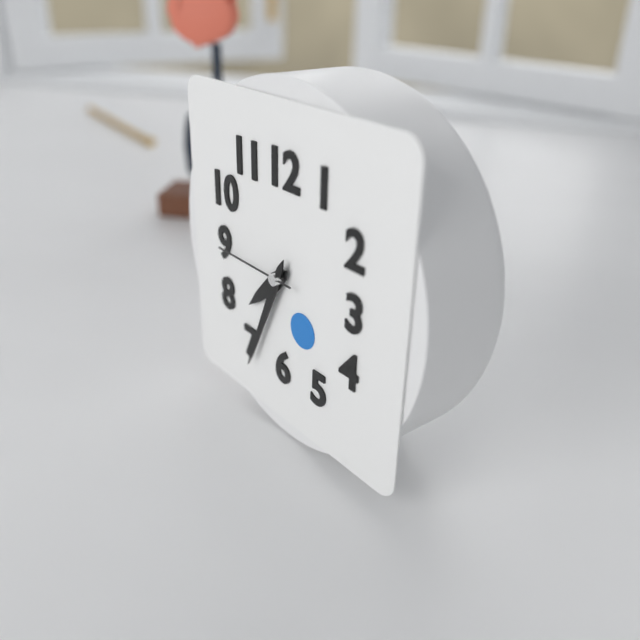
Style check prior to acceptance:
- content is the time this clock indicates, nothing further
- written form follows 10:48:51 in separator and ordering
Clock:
7:34:45
